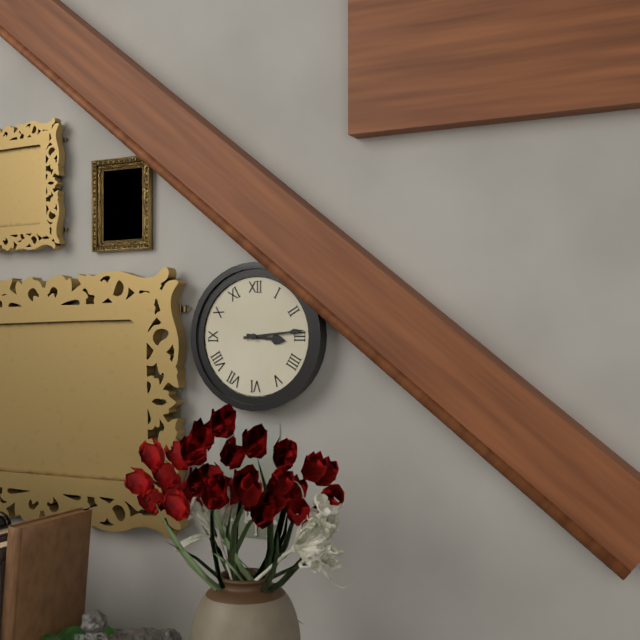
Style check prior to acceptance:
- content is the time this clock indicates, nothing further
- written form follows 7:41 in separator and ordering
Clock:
3:14
